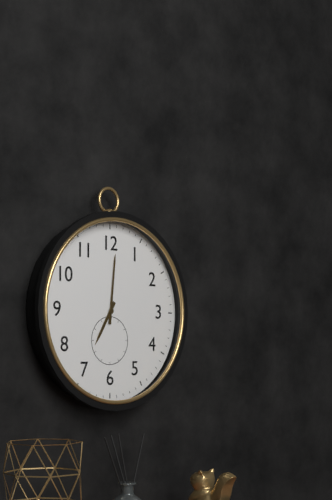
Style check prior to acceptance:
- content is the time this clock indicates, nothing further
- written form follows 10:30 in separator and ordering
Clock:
7:01
